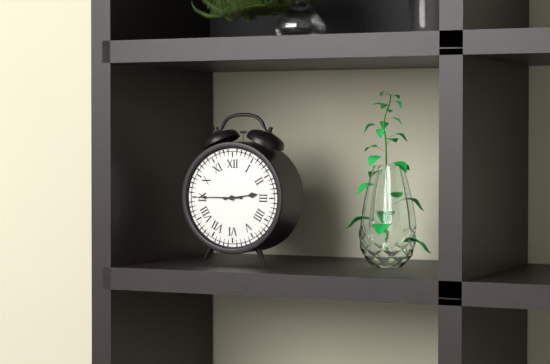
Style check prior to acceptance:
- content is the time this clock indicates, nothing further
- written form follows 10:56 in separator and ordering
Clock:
2:45
